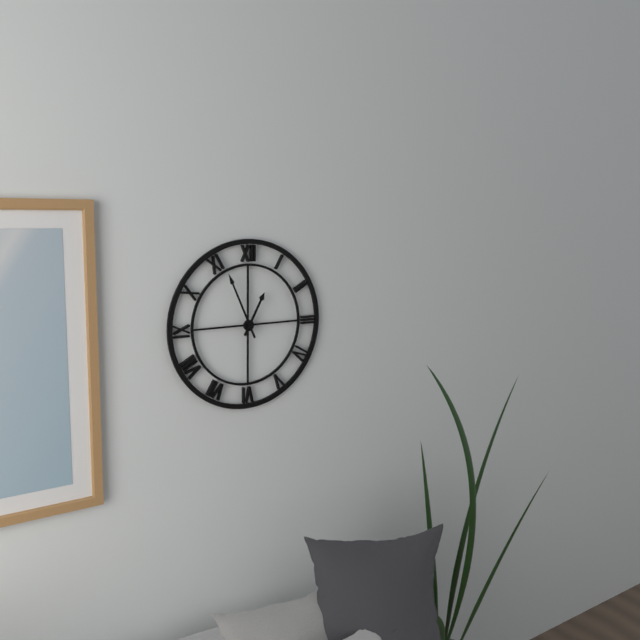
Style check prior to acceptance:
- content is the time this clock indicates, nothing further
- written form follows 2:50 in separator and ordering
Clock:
12:56
